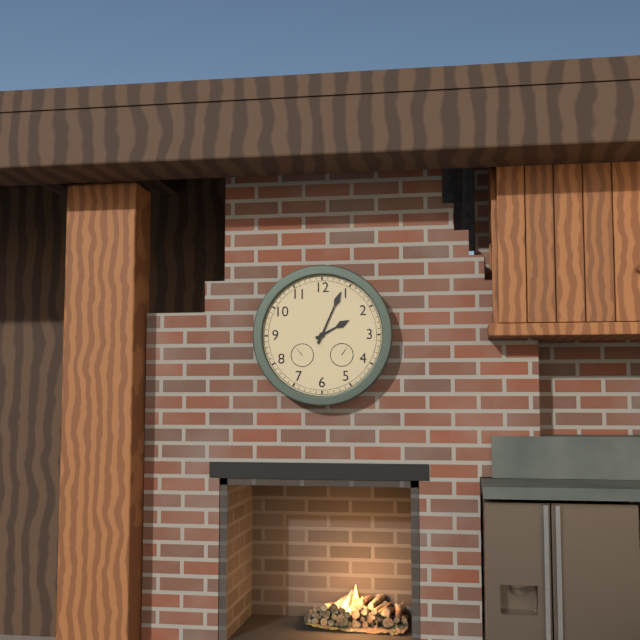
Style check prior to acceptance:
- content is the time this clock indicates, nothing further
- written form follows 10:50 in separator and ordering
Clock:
2:04
